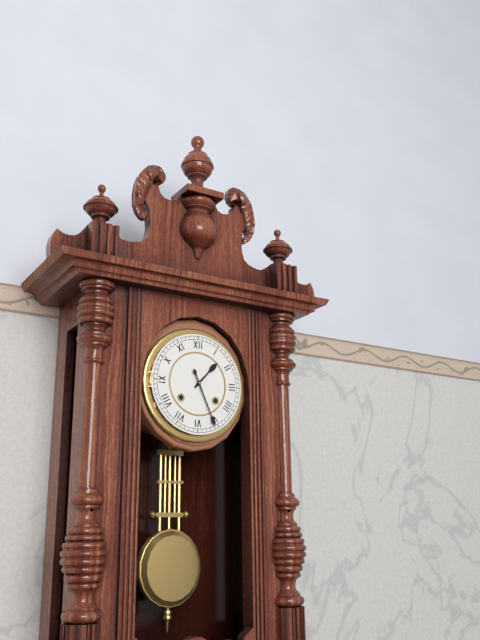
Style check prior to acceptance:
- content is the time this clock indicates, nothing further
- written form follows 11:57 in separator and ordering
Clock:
1:26
